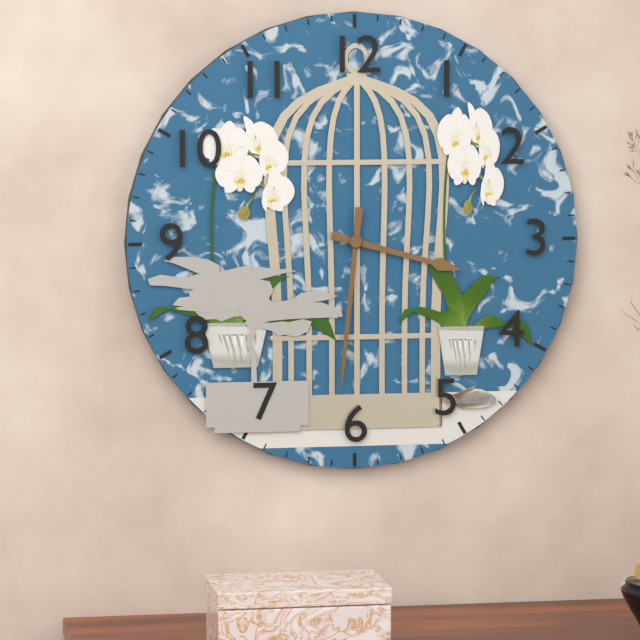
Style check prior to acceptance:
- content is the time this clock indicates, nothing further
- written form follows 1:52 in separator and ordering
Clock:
3:31
